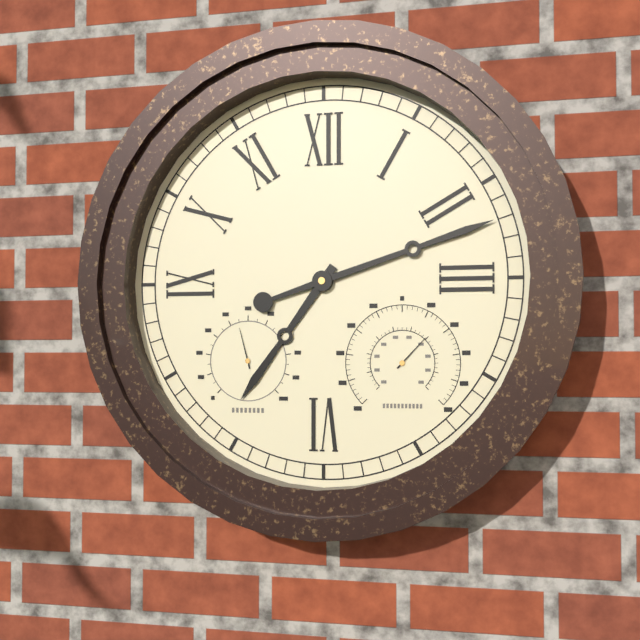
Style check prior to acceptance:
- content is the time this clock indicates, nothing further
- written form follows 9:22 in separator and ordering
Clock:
7:12
